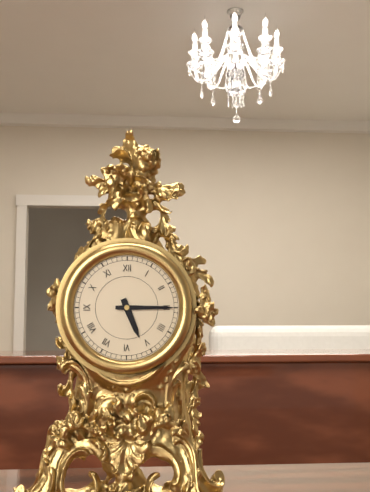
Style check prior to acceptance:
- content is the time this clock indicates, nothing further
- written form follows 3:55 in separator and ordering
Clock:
5:15
